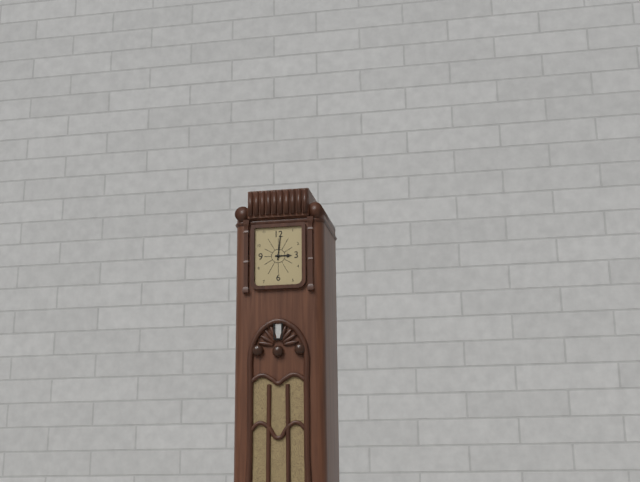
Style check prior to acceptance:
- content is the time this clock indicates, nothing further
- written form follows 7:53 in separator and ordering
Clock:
3:01
